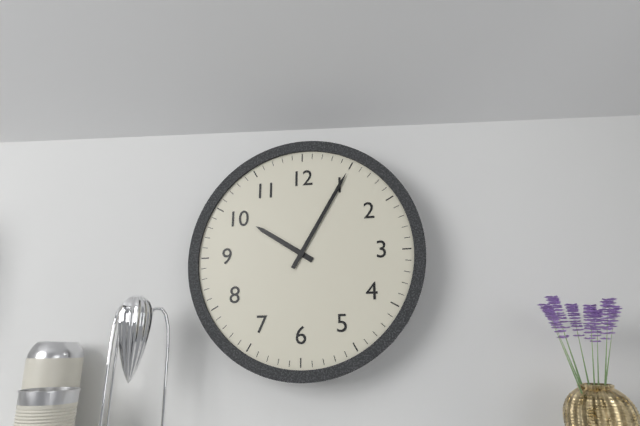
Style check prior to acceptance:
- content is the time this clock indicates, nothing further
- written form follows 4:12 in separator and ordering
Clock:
10:05
